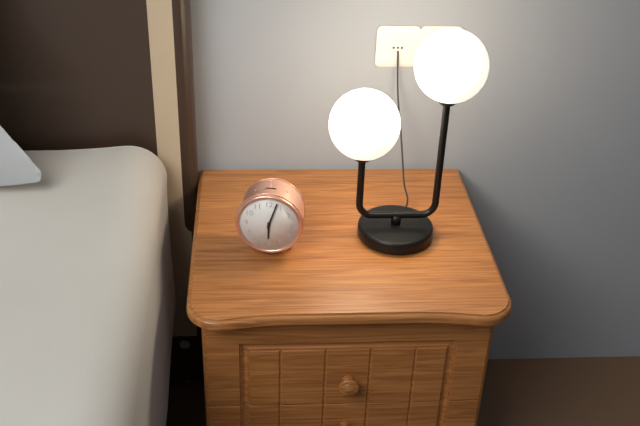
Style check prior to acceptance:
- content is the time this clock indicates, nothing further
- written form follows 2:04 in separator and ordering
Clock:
6:03
